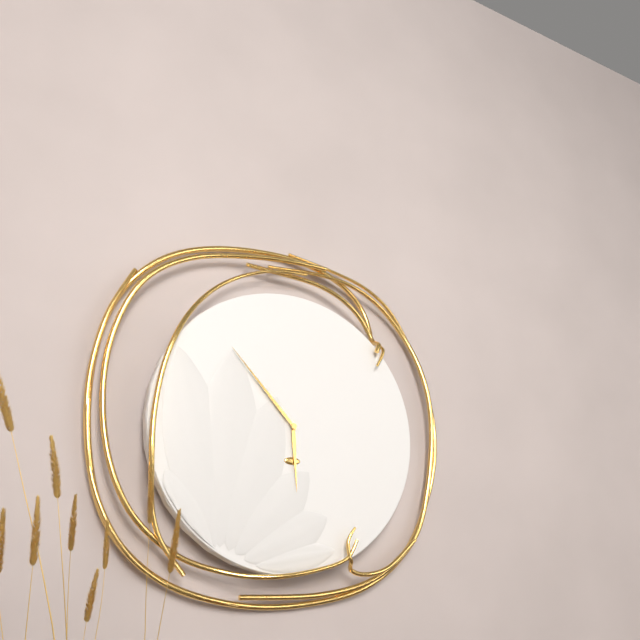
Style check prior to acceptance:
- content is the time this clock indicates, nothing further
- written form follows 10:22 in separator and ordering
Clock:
5:53
